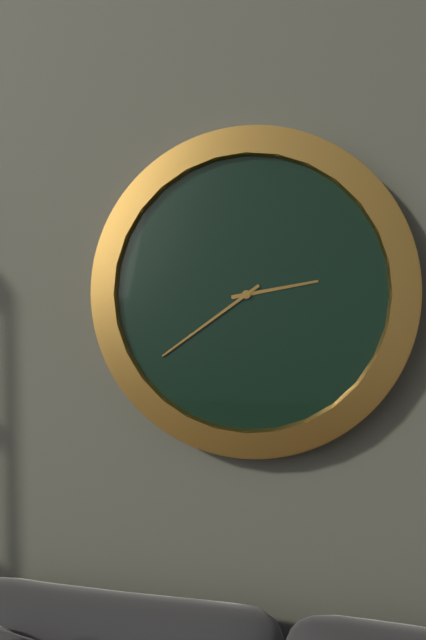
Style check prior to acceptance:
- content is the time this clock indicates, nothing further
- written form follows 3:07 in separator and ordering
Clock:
2:39
